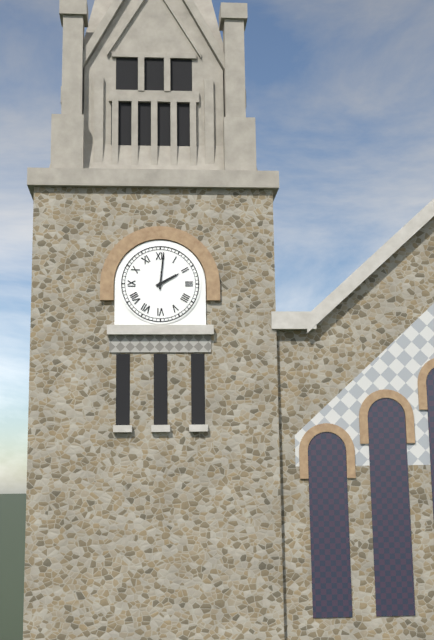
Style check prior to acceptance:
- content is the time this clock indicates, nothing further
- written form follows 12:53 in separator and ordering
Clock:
2:01
